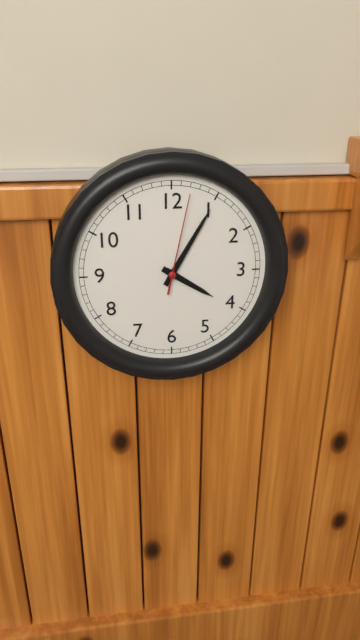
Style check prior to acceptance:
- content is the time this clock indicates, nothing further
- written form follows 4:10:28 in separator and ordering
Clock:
4:05:02
